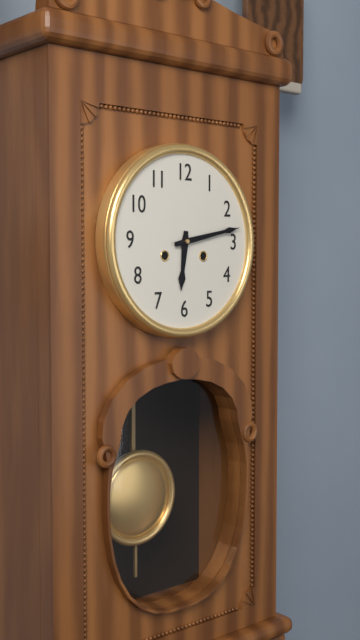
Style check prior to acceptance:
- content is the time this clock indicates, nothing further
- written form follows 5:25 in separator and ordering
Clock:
6:13
